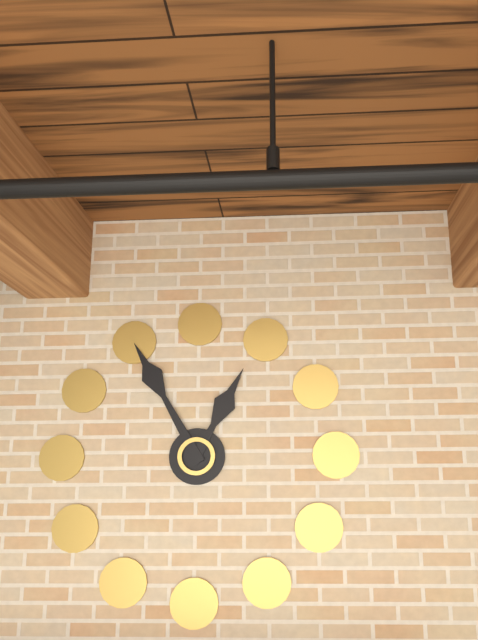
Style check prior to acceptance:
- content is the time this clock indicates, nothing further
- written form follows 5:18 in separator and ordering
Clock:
12:55
